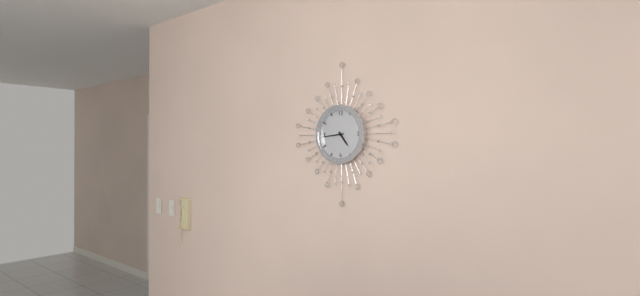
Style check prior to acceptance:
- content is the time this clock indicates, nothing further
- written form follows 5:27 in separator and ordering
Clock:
4:44
